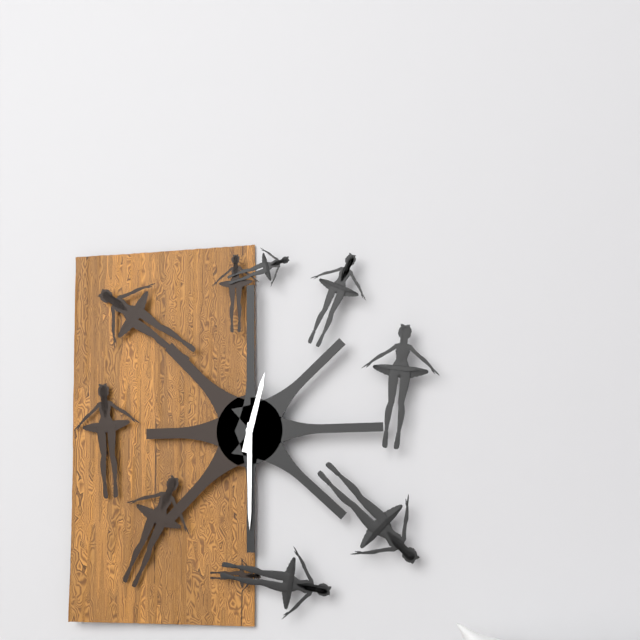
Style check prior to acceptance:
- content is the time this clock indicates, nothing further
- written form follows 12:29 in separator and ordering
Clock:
12:30
